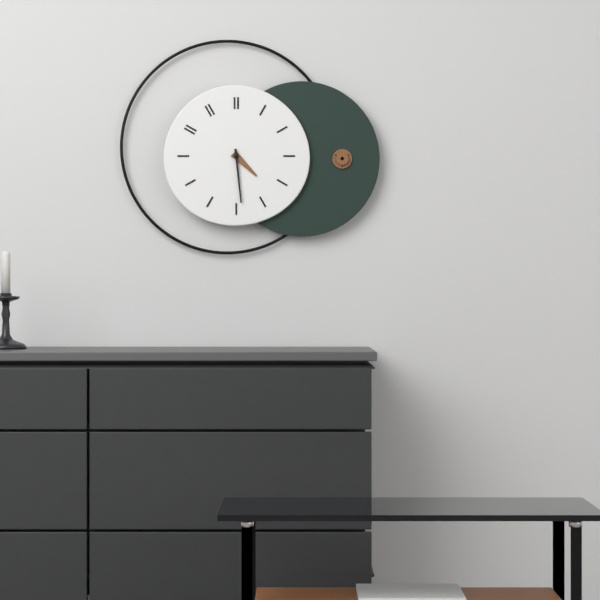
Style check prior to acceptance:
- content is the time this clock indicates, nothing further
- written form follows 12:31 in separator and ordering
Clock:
4:29
